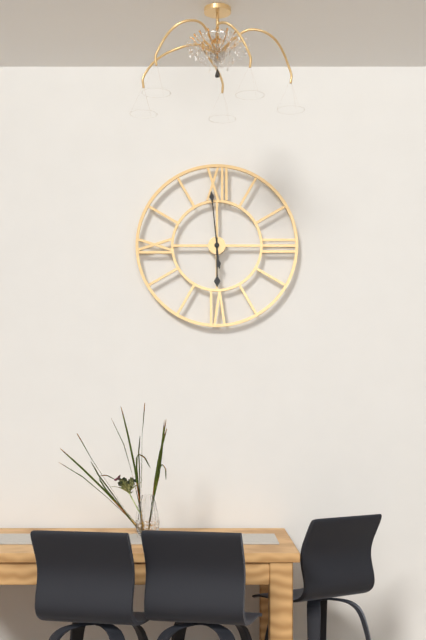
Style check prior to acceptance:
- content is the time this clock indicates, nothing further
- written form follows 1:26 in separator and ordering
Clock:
5:59
